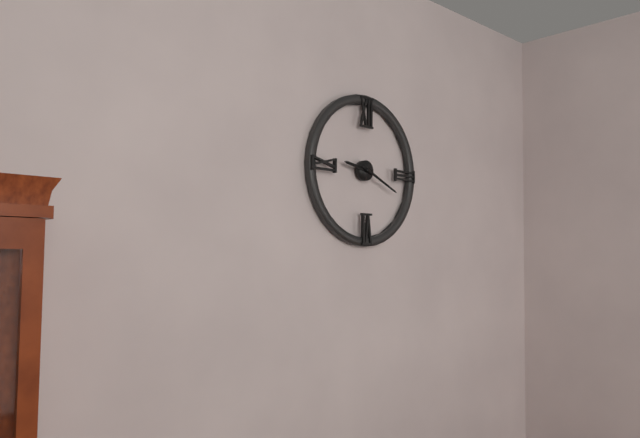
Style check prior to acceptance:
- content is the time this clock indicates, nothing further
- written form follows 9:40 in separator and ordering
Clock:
9:19
